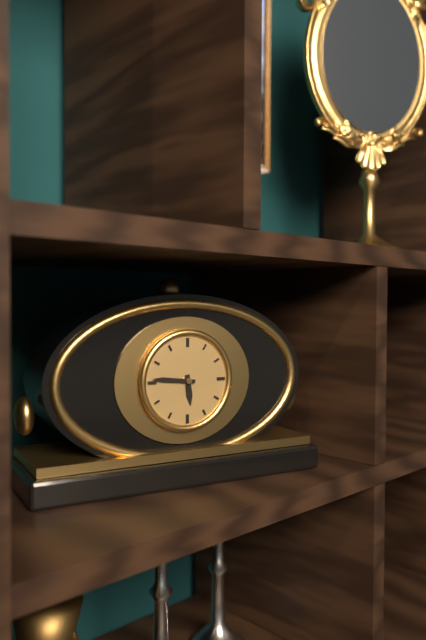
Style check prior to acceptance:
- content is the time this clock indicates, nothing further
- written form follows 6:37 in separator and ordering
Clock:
5:46
